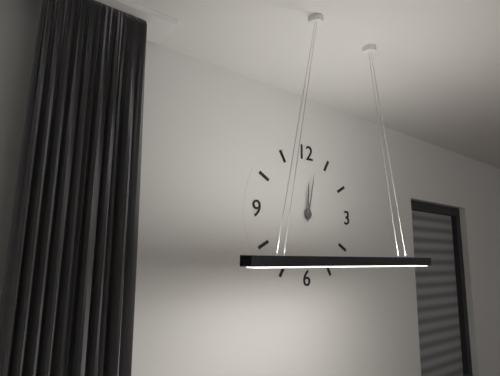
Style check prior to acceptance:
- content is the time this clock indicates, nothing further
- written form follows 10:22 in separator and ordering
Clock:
12:02
